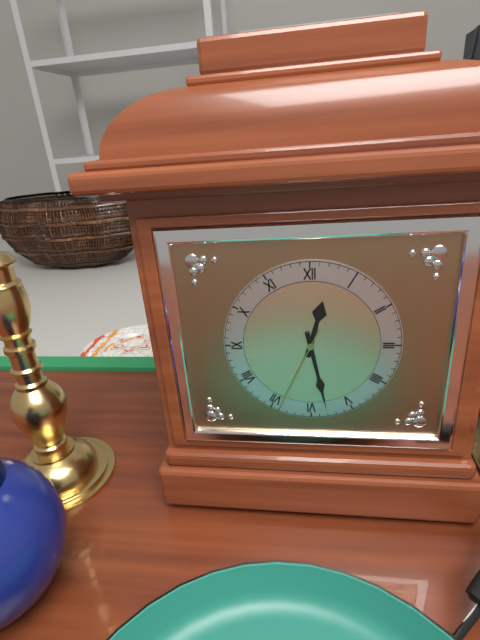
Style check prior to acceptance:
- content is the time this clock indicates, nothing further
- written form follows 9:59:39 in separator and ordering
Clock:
12:28:34
